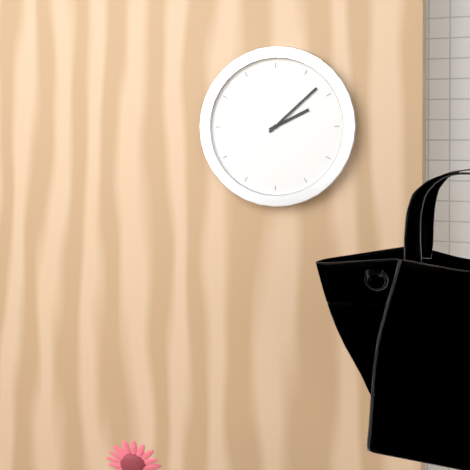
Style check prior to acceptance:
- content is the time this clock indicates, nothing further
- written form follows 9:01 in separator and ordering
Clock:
2:08
